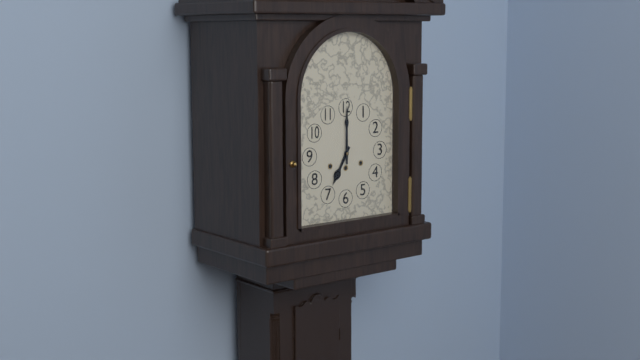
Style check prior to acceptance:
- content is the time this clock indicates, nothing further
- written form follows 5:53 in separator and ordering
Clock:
7:00
